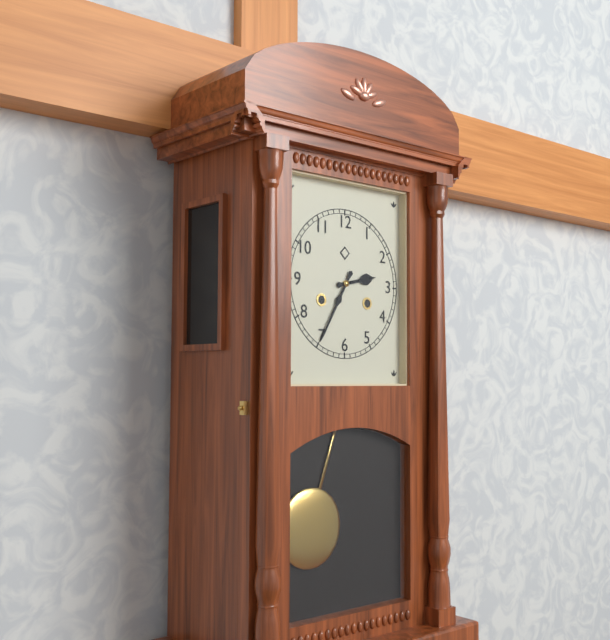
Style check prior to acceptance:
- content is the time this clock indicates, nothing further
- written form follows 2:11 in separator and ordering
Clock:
2:35
